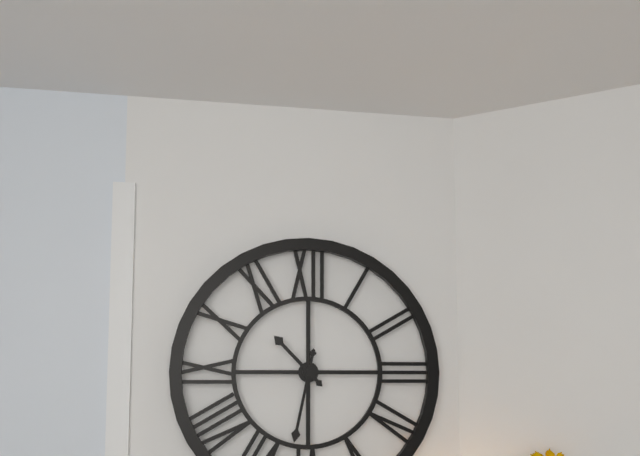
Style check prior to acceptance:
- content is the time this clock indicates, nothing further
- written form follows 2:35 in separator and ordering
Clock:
10:32
